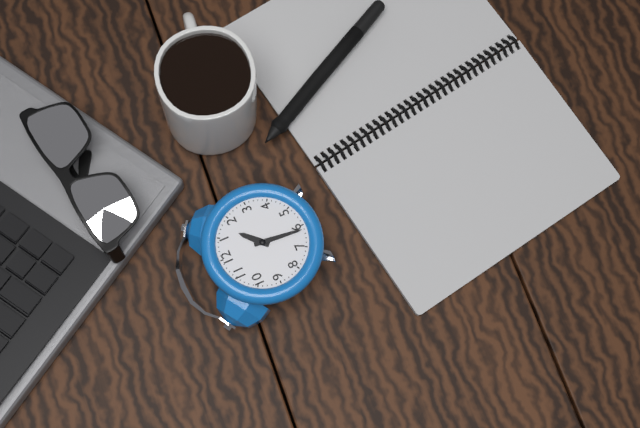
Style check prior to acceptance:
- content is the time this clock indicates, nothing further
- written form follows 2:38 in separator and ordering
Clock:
1:31
